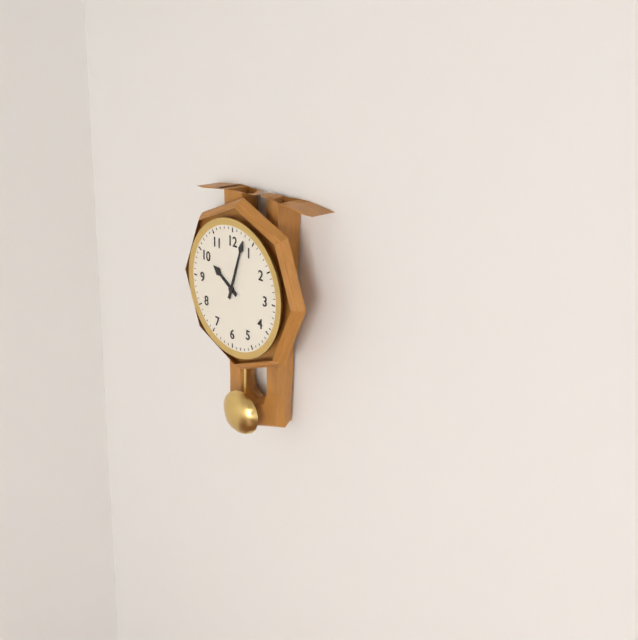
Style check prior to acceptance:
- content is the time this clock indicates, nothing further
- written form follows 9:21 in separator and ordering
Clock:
10:03
